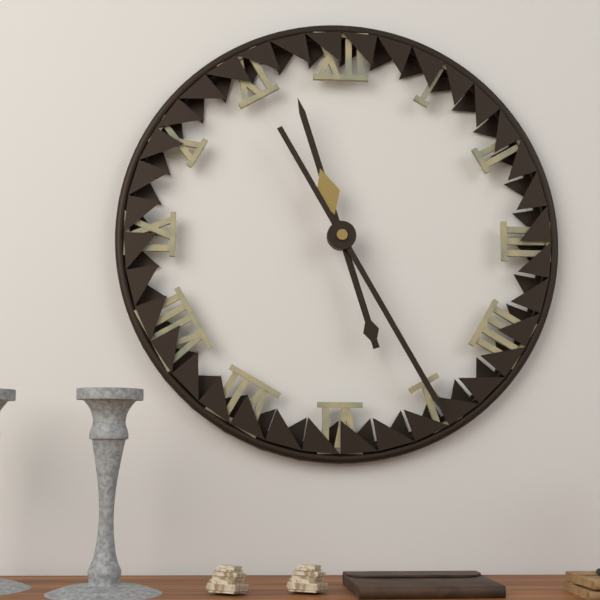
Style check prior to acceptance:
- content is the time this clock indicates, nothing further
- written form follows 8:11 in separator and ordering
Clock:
11:25
